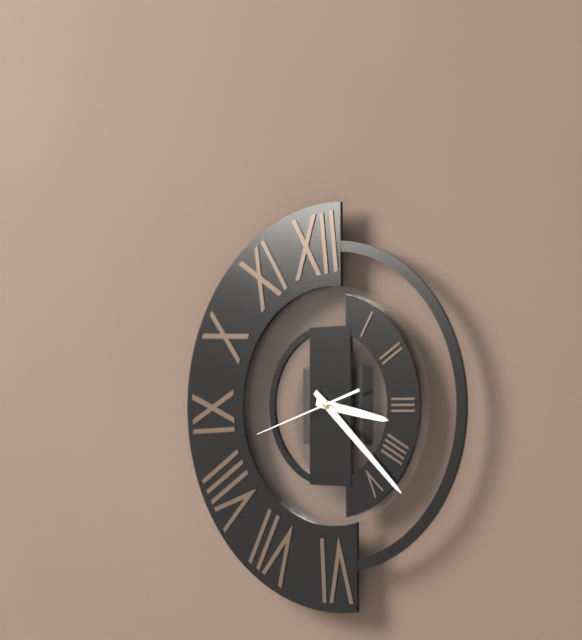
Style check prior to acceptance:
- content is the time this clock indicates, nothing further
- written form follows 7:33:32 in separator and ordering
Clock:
3:22:42
